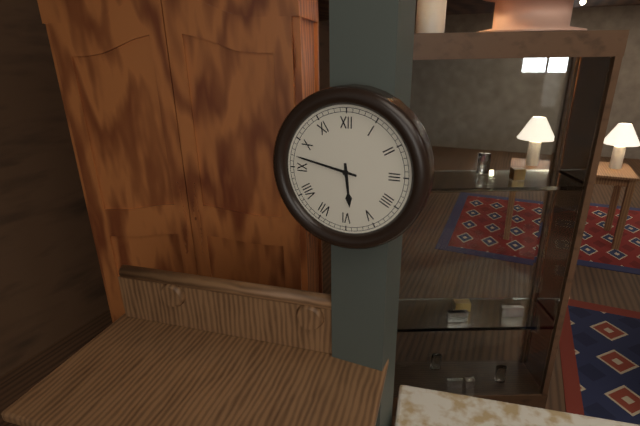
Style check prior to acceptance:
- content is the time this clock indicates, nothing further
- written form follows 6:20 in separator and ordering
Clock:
5:47
